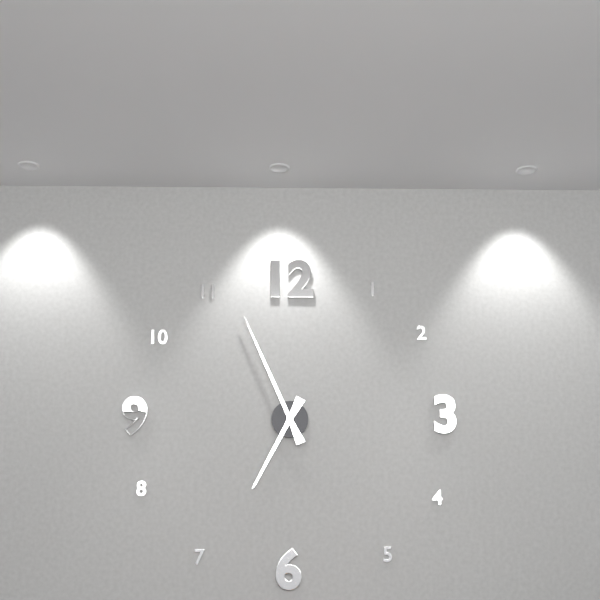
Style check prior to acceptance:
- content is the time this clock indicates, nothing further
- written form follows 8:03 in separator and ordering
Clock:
6:56
